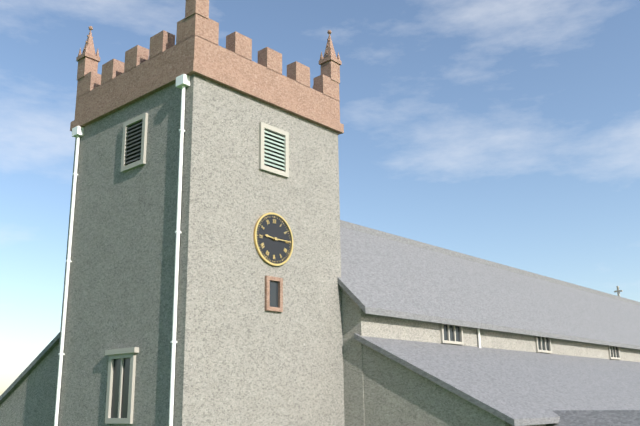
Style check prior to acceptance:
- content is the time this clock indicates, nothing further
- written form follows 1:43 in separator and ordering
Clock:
9:15
